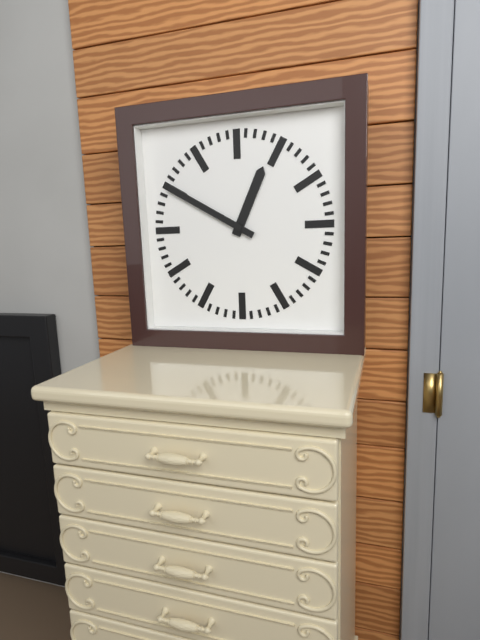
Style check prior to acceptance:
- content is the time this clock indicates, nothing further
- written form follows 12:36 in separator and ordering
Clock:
12:50
